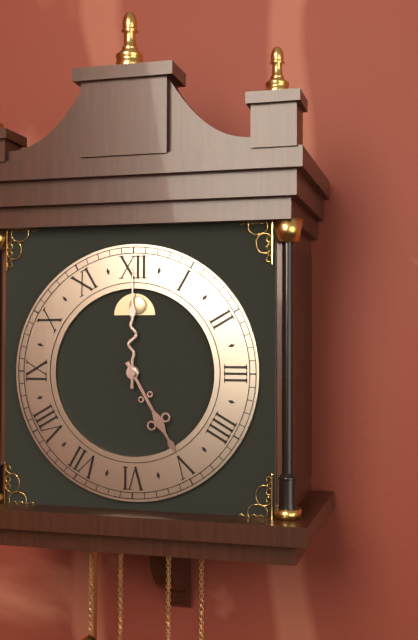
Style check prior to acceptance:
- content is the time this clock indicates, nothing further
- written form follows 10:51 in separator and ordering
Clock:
5:00
